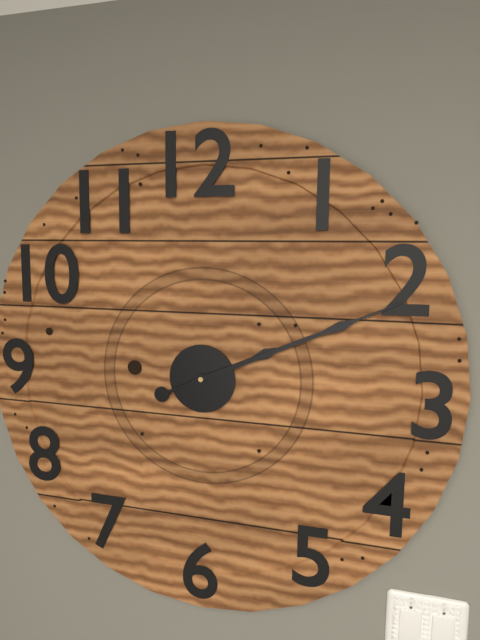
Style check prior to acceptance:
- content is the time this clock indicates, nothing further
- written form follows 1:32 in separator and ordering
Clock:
2:11
